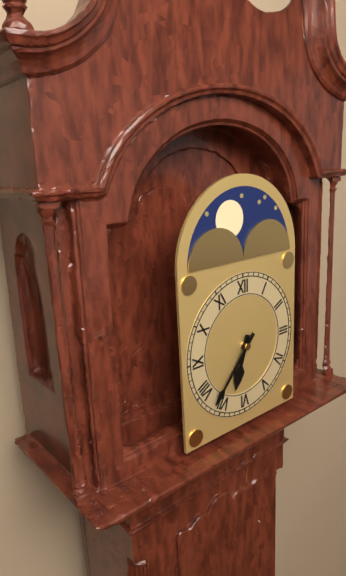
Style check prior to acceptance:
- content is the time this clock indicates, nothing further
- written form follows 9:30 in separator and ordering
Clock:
6:37
